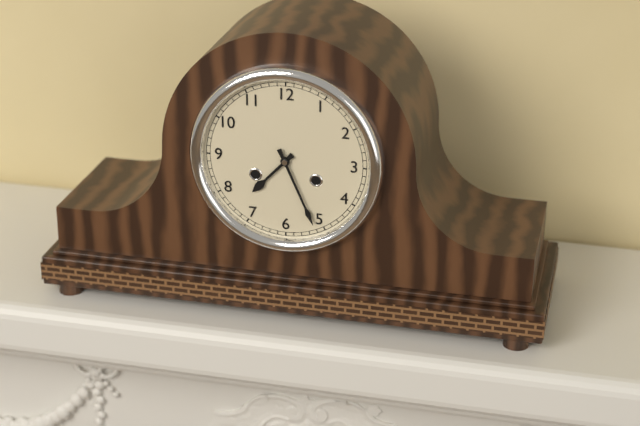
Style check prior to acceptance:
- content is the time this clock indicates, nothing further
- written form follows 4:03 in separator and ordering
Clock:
7:26
